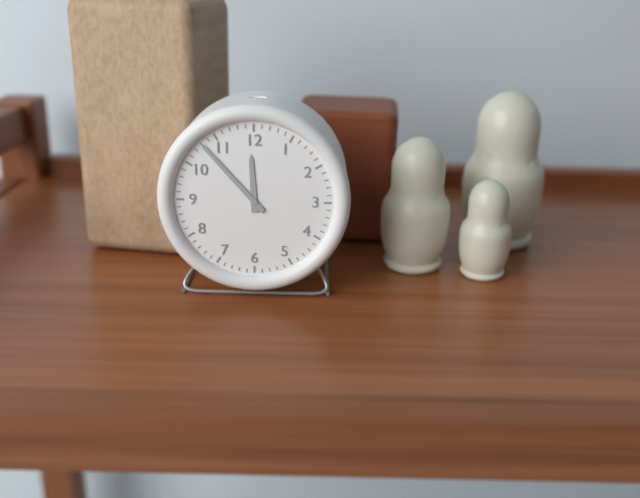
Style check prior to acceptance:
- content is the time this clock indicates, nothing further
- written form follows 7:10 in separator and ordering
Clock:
11:53
